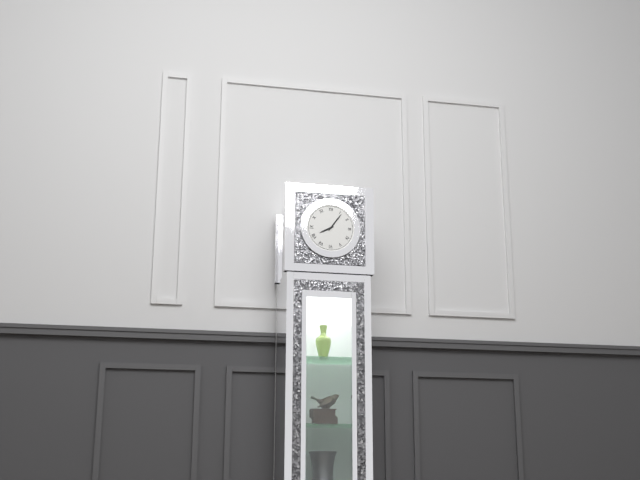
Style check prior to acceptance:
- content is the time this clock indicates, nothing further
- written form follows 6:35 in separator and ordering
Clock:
8:06
